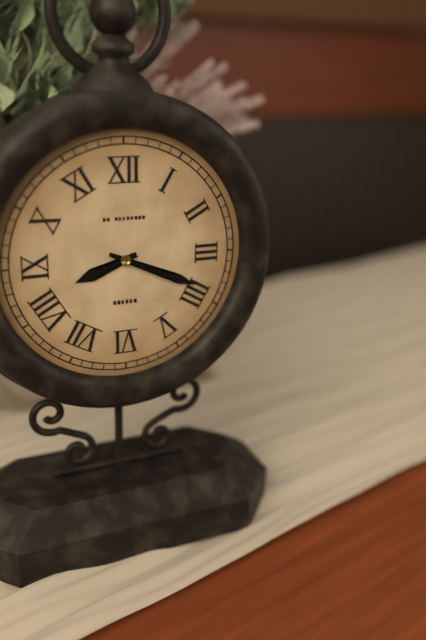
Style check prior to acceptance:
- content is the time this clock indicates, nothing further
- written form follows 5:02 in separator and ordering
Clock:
8:19
